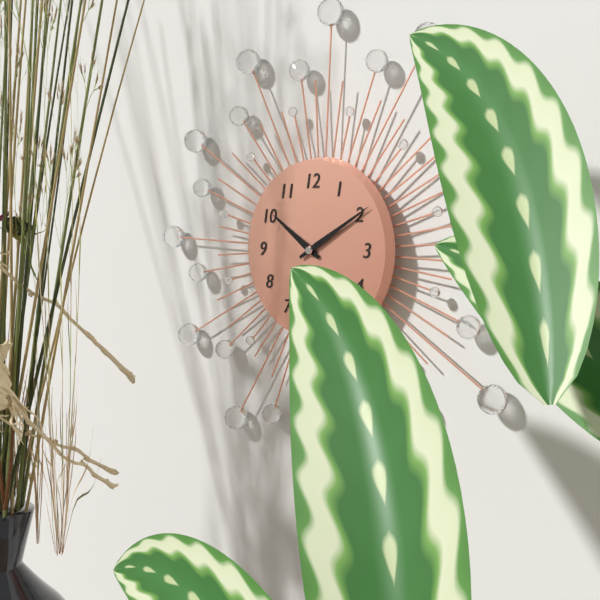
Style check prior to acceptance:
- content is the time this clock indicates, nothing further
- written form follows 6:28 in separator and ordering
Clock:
10:10
